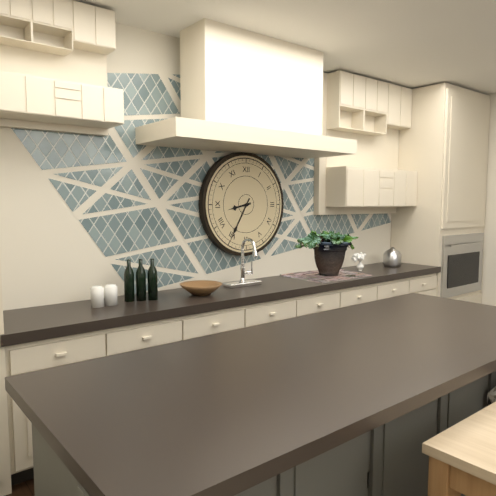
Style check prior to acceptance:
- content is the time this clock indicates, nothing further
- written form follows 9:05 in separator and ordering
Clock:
8:35
